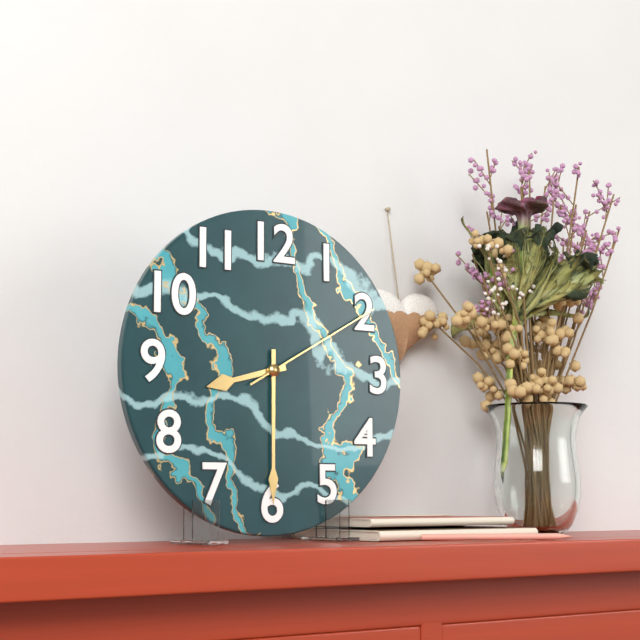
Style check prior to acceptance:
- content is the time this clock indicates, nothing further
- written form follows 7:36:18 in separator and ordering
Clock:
8:30:10
